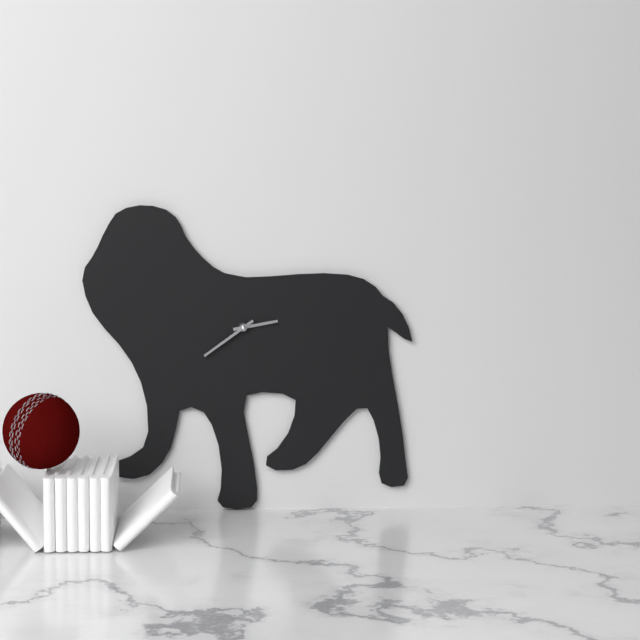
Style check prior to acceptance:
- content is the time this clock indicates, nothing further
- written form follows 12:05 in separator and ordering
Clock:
2:39
